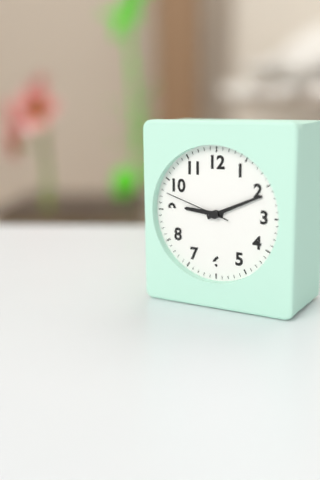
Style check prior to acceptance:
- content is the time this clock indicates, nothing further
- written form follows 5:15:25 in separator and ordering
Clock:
9:11:48
